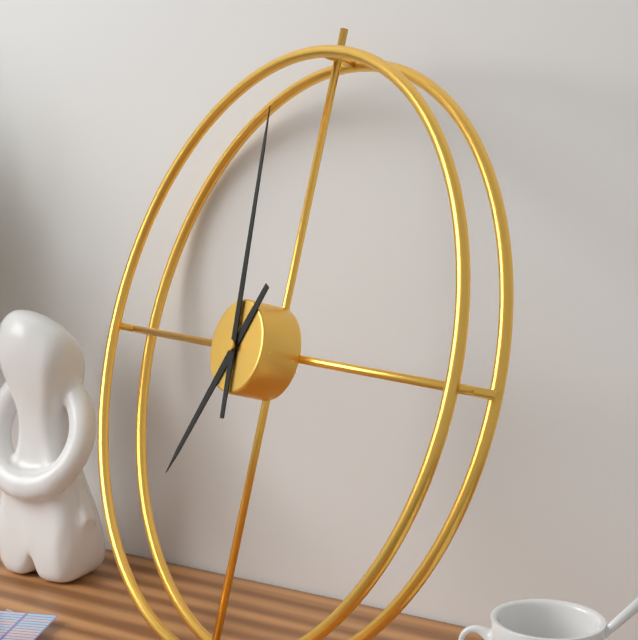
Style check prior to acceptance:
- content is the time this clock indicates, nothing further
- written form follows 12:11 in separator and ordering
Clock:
6:59
